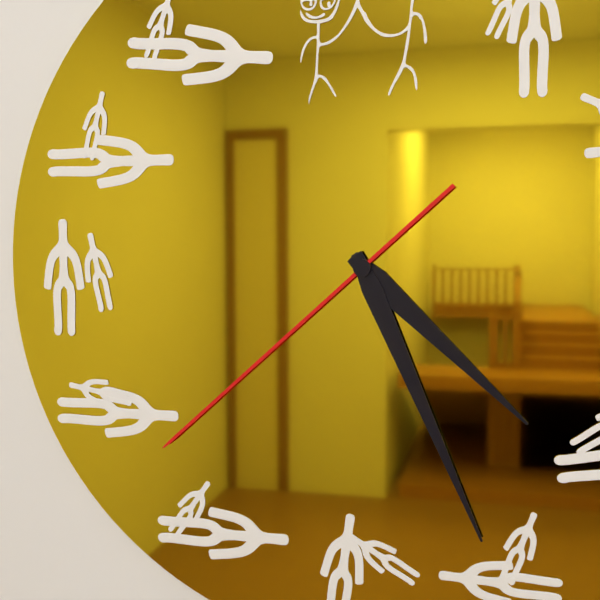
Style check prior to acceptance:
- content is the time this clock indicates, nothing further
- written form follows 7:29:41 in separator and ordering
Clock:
4:26:38
